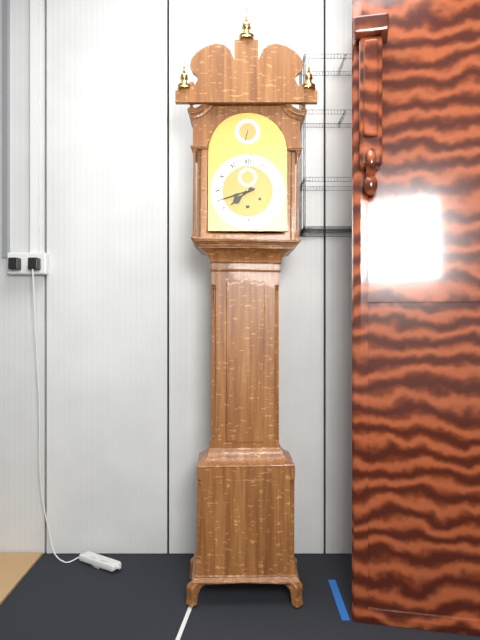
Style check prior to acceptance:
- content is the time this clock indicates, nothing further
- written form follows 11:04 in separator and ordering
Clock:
7:42
